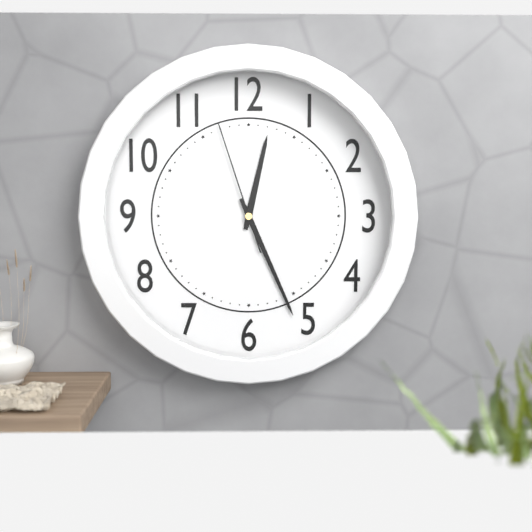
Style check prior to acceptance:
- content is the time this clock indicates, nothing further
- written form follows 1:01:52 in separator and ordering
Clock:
12:26:57
